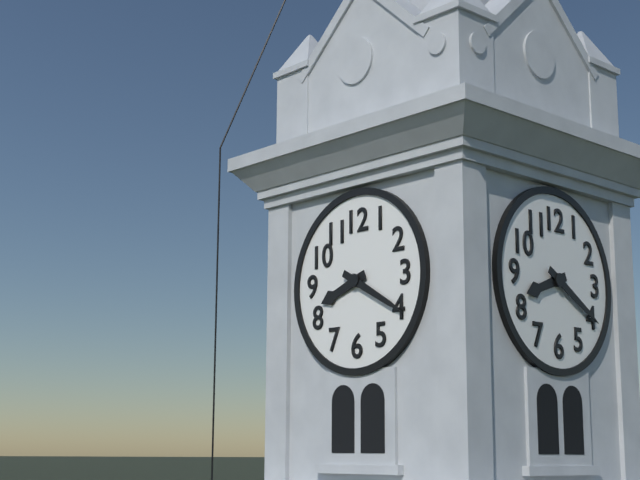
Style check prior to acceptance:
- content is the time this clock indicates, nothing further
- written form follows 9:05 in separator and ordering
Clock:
8:20
